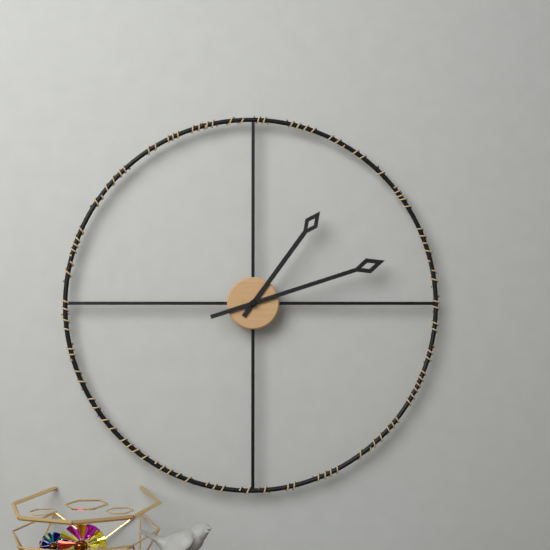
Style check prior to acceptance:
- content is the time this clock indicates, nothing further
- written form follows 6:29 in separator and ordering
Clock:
1:12
